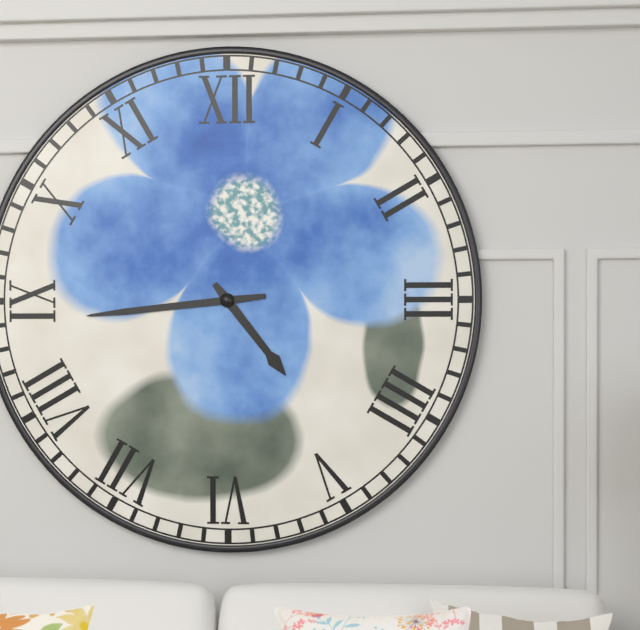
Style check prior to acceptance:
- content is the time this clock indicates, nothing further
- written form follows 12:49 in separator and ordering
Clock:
4:44
